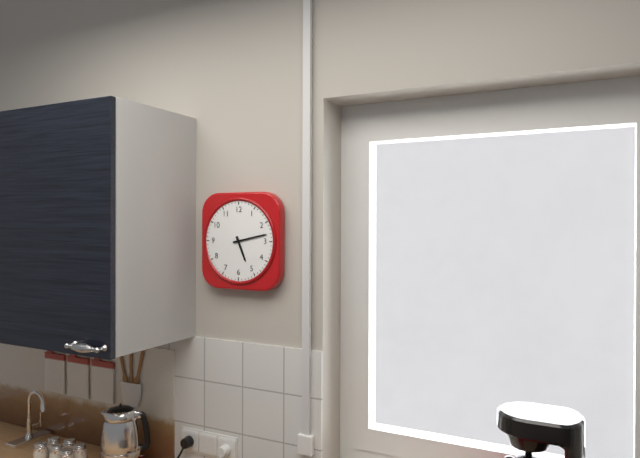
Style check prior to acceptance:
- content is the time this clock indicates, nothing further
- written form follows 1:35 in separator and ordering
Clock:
5:13
